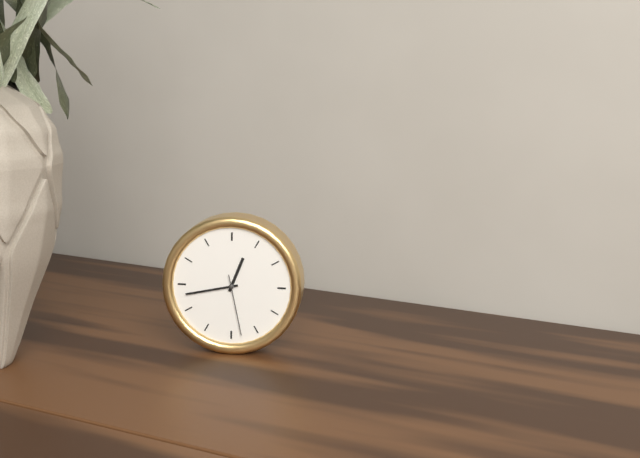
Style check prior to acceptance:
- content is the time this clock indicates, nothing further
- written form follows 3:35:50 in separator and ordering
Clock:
12:43:28
